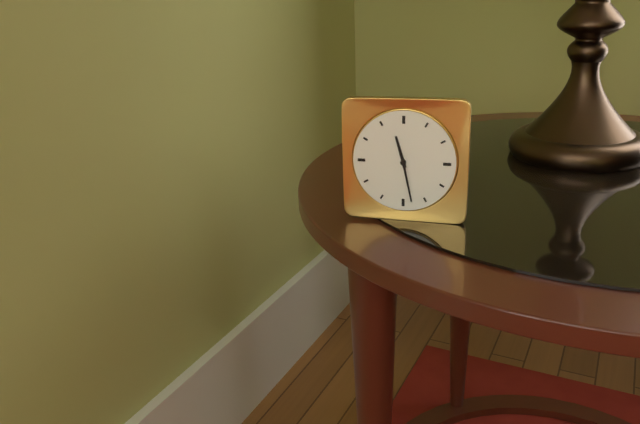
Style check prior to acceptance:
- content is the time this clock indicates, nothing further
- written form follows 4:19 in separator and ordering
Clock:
11:28
